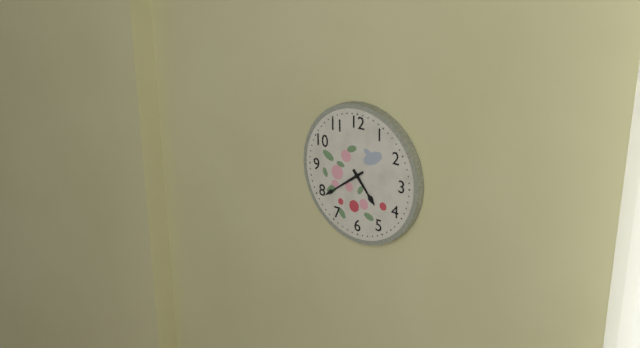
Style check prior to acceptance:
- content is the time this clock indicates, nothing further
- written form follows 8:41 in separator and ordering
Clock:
4:39
